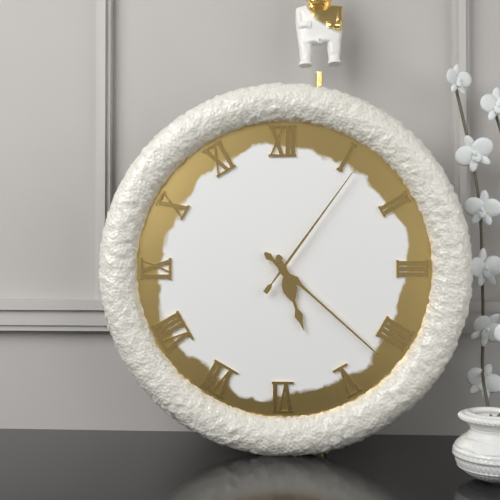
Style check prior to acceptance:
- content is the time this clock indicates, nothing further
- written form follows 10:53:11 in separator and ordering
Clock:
5:22:06
